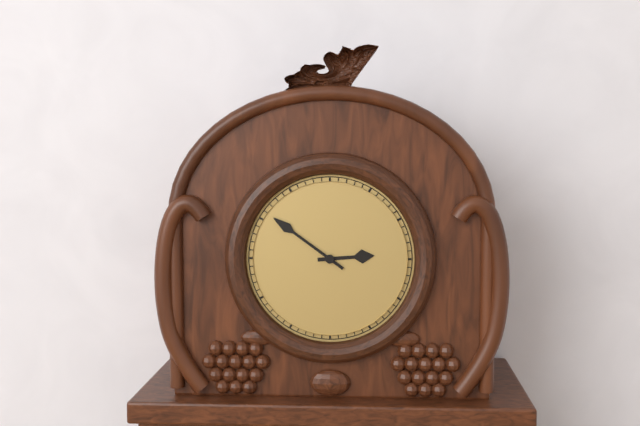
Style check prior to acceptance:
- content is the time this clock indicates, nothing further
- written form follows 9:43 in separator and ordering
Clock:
2:51
